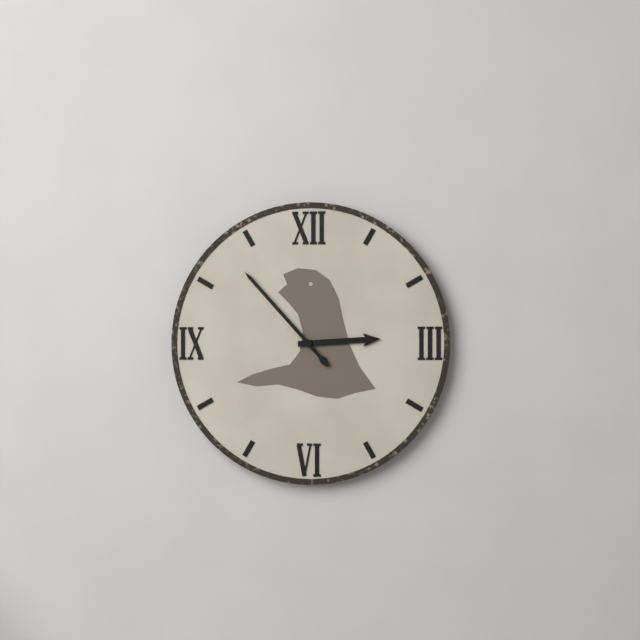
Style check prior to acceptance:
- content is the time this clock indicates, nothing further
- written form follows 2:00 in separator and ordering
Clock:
2:53
